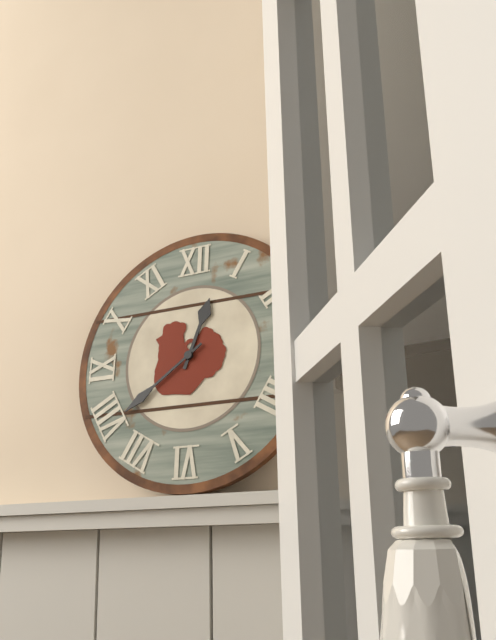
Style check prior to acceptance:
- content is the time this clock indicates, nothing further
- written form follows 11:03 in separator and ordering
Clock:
12:39
